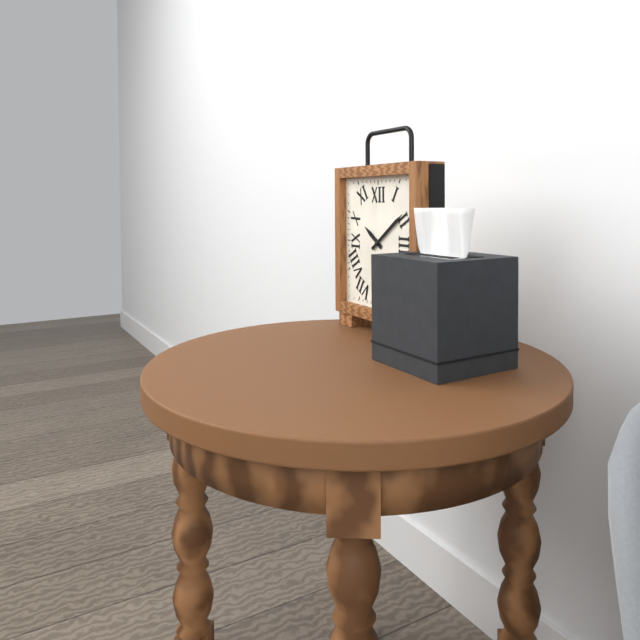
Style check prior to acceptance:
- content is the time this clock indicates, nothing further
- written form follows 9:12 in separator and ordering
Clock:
10:09
